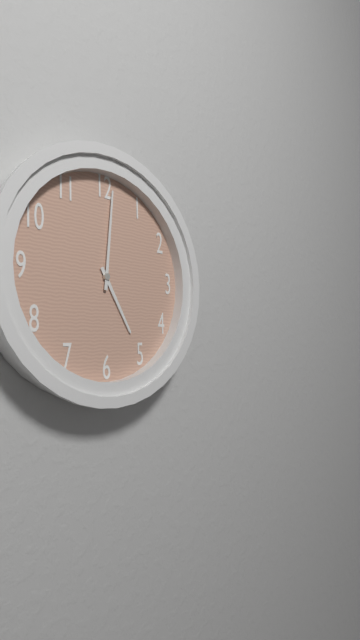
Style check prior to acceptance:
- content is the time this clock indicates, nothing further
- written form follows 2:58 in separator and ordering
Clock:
5:01
